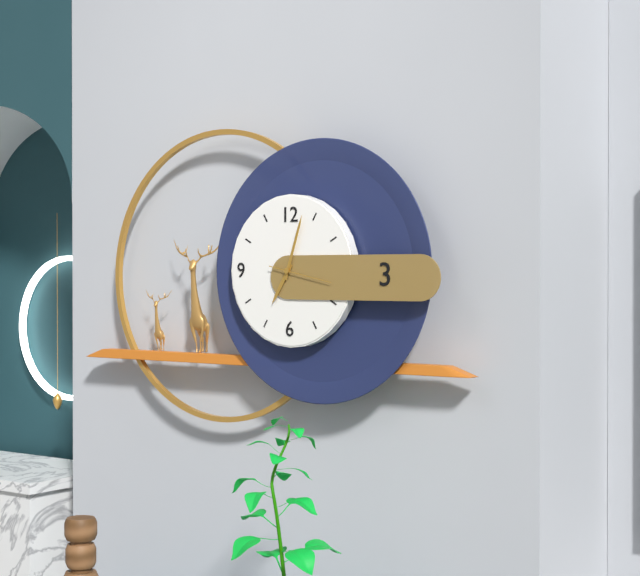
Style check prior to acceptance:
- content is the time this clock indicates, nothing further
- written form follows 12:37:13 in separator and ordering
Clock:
7:03:17
